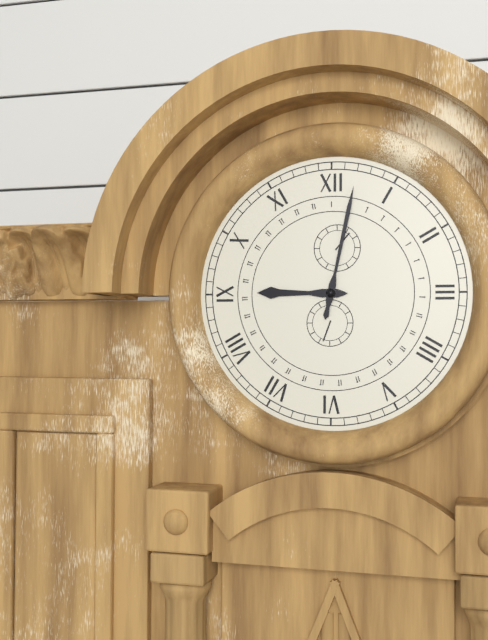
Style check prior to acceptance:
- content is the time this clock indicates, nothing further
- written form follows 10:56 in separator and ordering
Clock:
9:02
